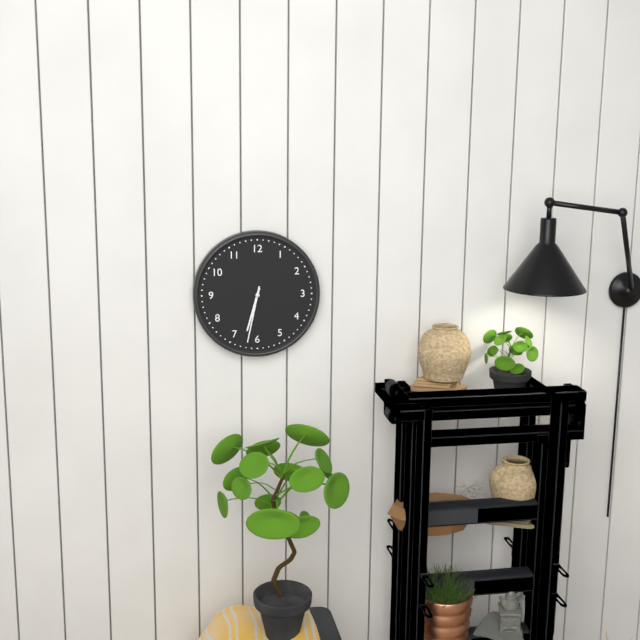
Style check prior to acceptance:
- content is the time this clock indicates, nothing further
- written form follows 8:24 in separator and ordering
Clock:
6:32
